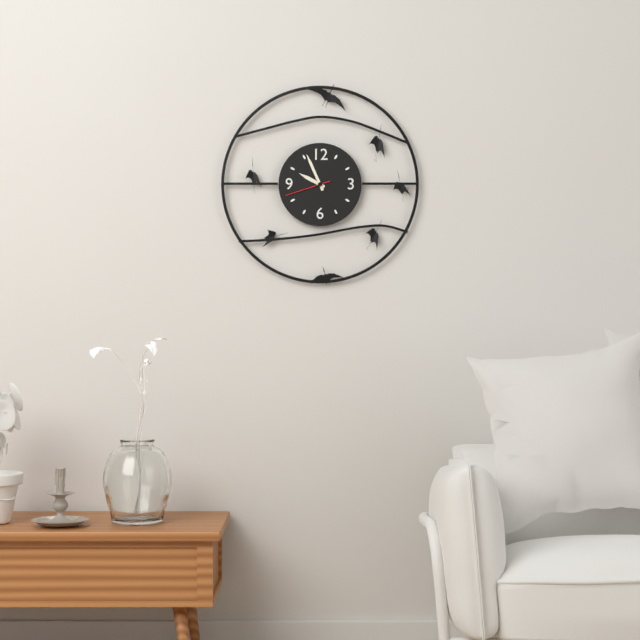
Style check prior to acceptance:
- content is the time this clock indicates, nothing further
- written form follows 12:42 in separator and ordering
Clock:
9:56
